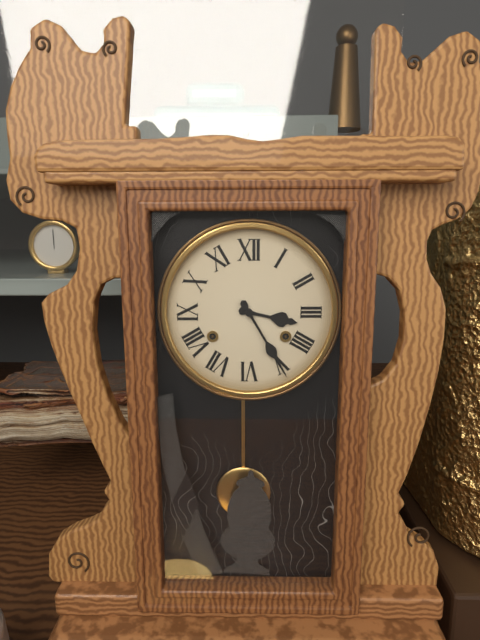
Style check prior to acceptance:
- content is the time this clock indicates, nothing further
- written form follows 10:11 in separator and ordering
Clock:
3:25
